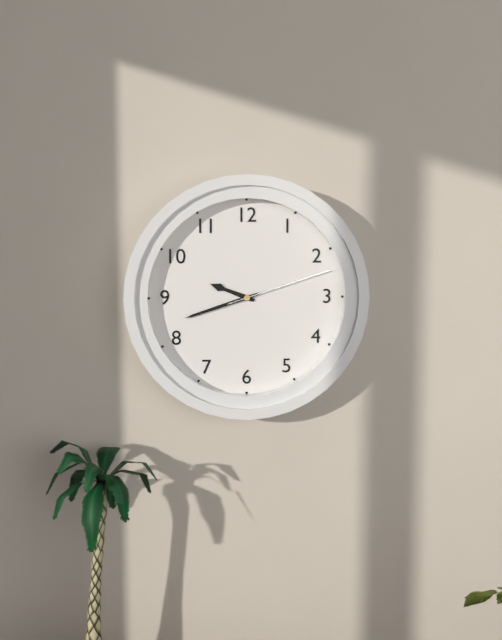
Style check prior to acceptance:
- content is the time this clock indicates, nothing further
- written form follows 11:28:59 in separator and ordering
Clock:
9:42:12
